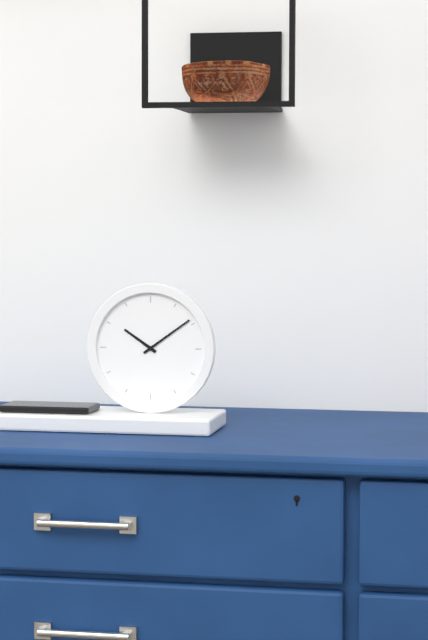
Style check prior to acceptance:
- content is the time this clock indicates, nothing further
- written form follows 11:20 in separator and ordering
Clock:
10:09
